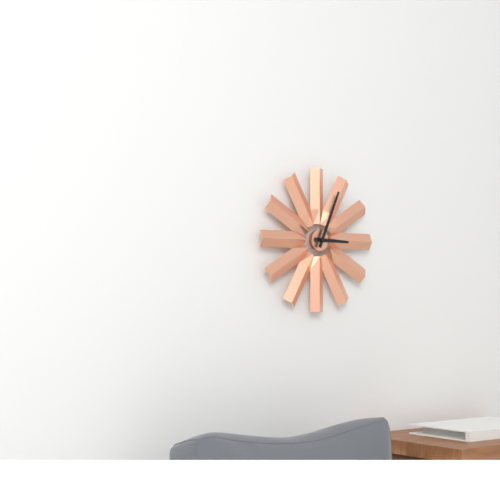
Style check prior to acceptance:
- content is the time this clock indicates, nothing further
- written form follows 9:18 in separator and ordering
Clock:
3:04
